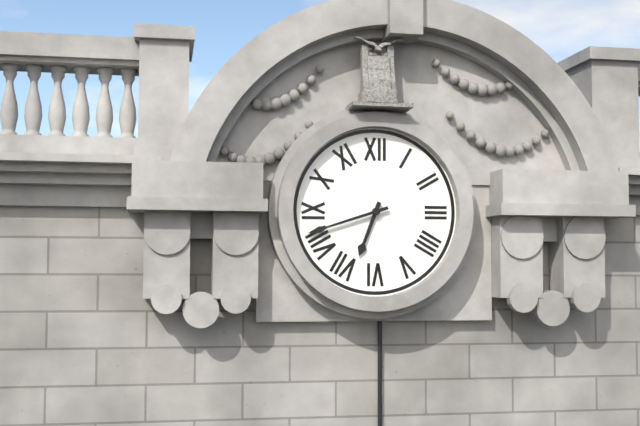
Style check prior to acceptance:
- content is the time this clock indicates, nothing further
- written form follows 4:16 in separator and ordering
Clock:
6:42
